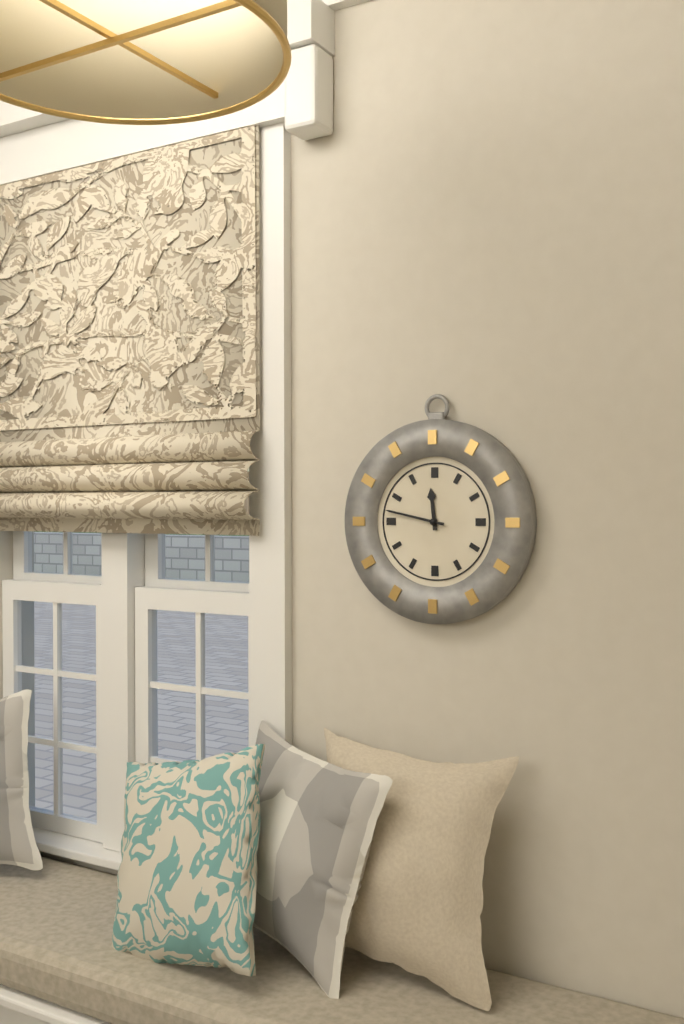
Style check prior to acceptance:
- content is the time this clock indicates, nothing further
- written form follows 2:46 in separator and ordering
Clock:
11:47
